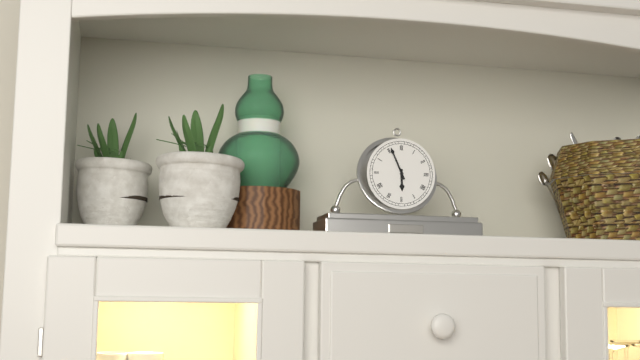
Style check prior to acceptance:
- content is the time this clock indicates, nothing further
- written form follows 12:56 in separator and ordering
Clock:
5:56
